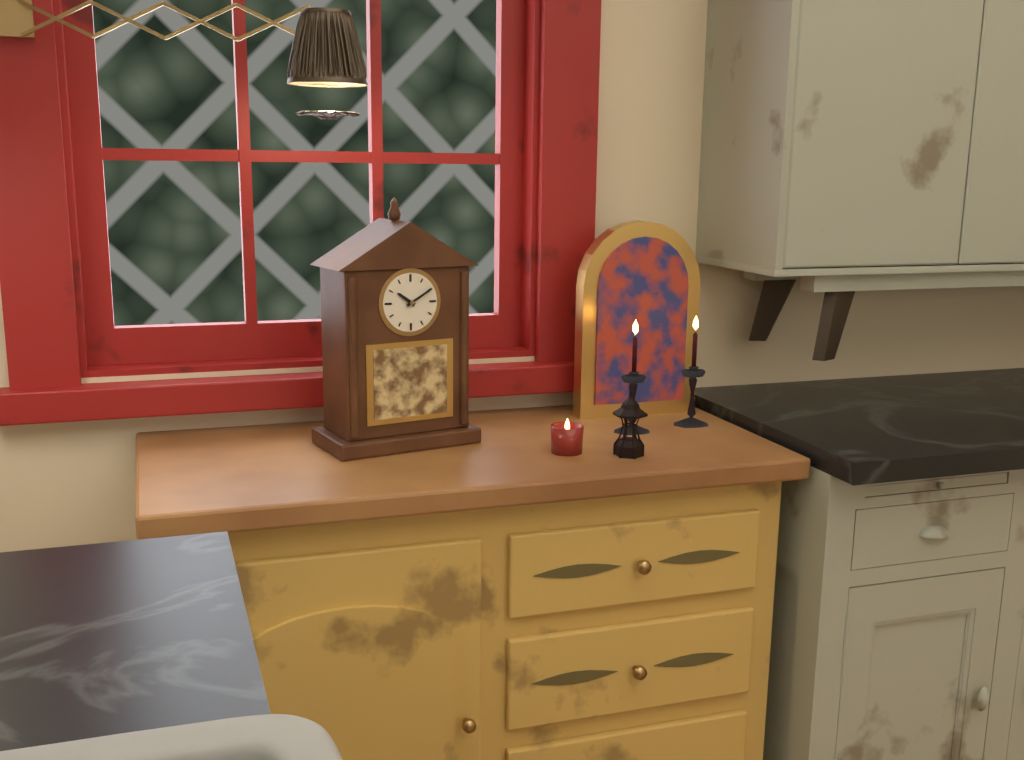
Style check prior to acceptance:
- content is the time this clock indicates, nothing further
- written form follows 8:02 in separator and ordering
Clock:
10:10
